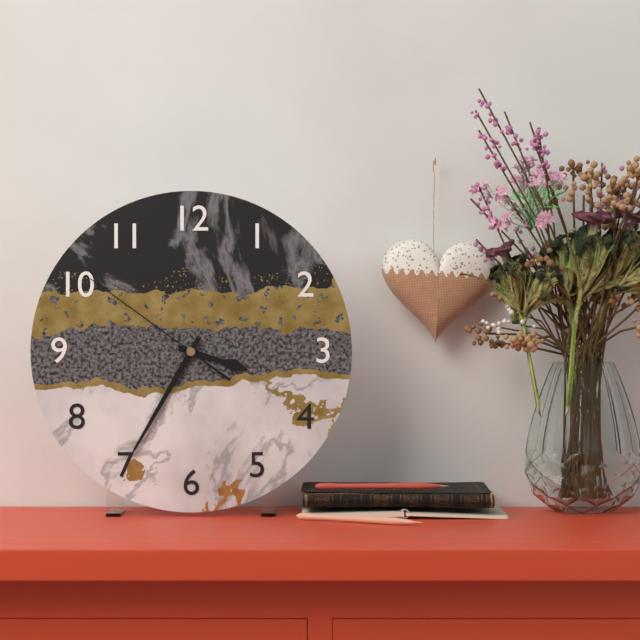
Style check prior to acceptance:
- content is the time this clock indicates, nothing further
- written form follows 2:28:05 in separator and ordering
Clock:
3:35:51
